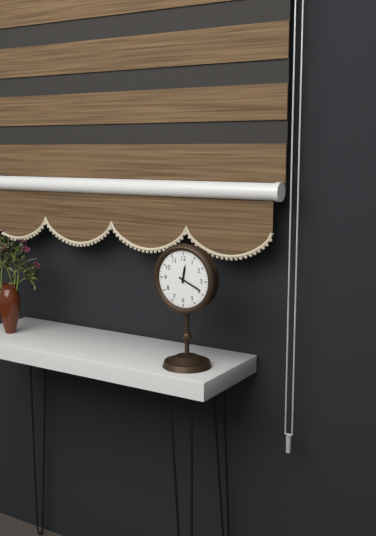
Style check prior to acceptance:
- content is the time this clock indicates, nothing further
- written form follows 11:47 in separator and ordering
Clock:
12:19
